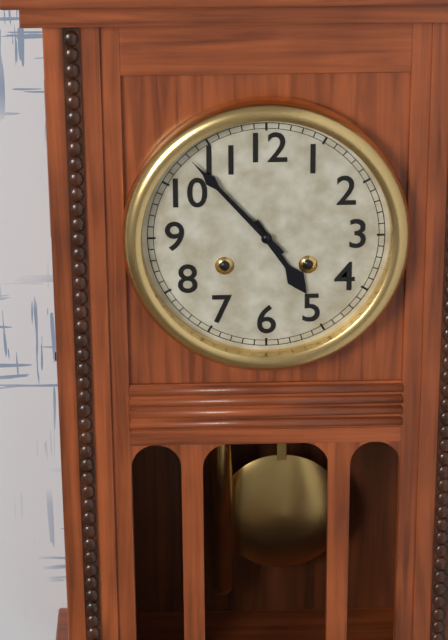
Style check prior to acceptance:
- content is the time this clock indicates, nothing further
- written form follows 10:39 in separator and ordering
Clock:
4:53
